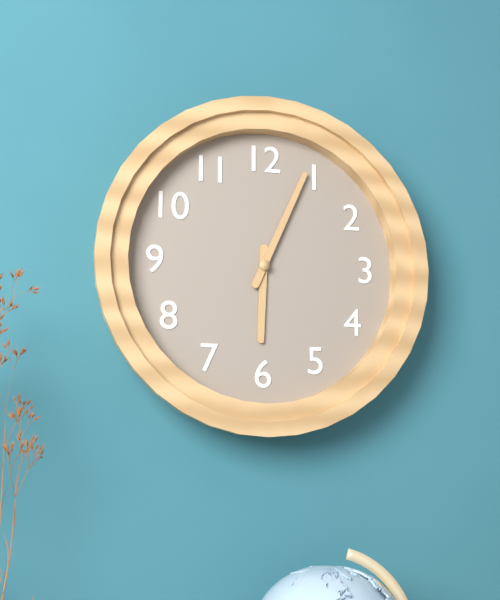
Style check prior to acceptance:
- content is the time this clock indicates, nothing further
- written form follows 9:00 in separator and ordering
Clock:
6:04
